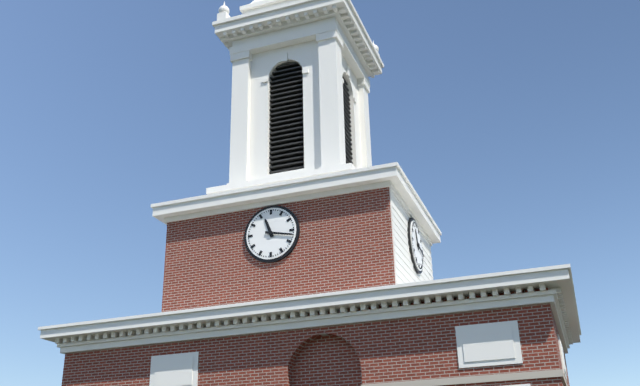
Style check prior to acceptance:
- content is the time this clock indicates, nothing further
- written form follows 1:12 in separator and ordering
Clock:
11:17
